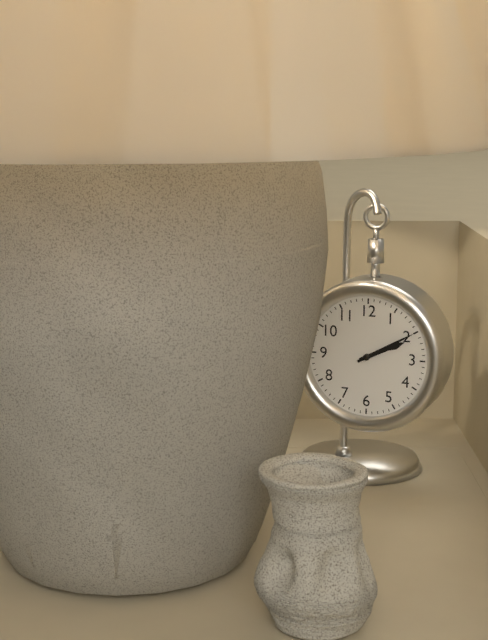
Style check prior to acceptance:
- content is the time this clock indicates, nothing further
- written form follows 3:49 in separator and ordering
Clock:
2:10
